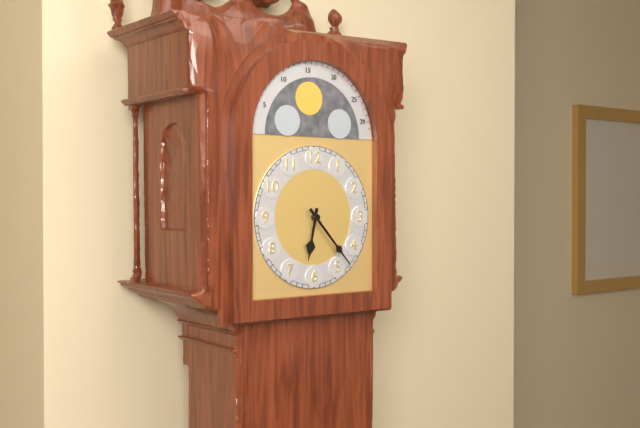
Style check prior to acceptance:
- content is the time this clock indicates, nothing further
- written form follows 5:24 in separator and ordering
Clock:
6:23
